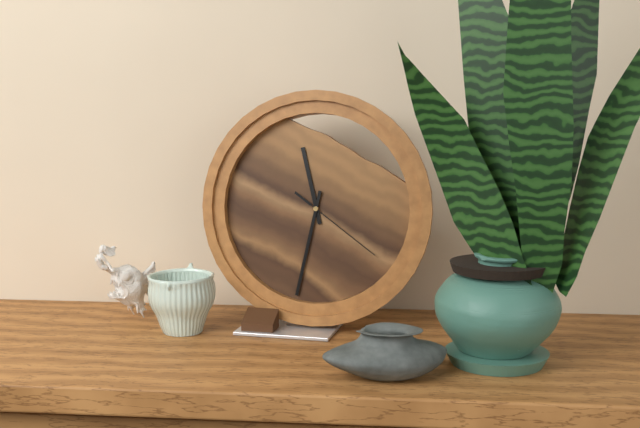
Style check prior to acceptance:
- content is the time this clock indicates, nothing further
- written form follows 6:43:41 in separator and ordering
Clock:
11:32:21
